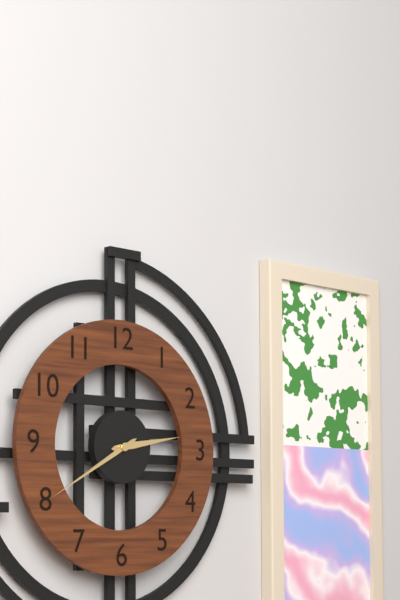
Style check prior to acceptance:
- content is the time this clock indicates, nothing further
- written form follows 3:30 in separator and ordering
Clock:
2:40
